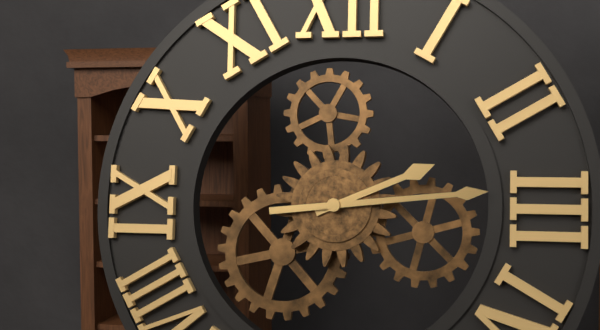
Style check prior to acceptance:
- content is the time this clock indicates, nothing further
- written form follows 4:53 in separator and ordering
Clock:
2:14
